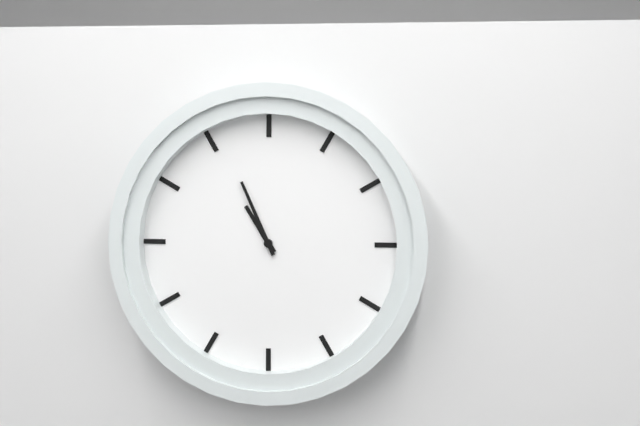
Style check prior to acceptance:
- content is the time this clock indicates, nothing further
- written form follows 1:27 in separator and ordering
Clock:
10:56
